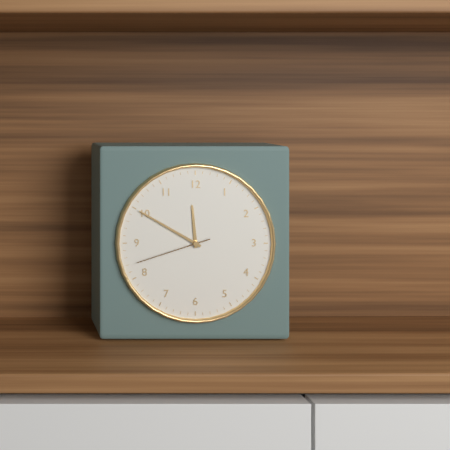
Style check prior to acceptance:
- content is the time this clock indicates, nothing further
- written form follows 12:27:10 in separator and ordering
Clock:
11:50:42
